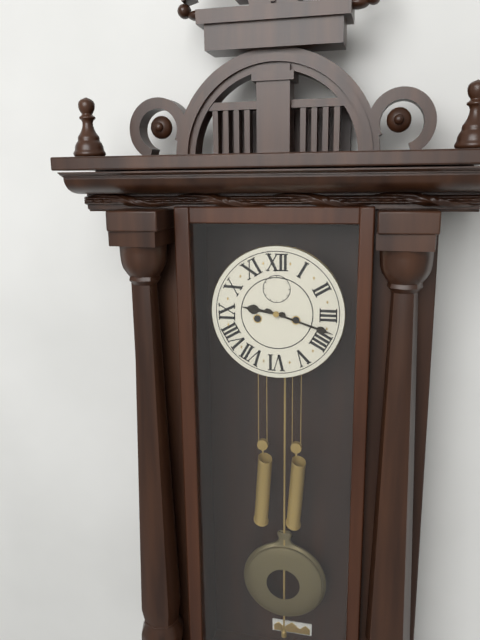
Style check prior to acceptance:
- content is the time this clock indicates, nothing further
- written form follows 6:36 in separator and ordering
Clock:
9:18
